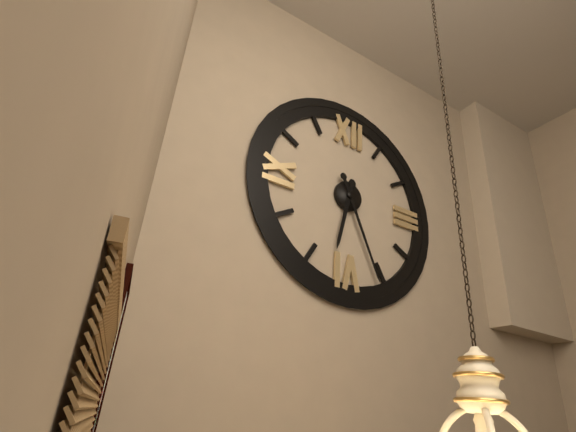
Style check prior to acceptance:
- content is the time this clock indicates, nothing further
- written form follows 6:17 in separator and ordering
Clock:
6:26
